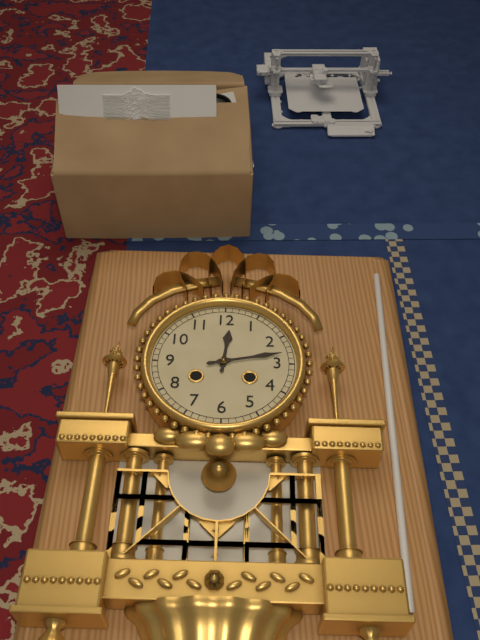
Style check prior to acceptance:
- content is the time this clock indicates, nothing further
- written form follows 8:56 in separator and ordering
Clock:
12:13
